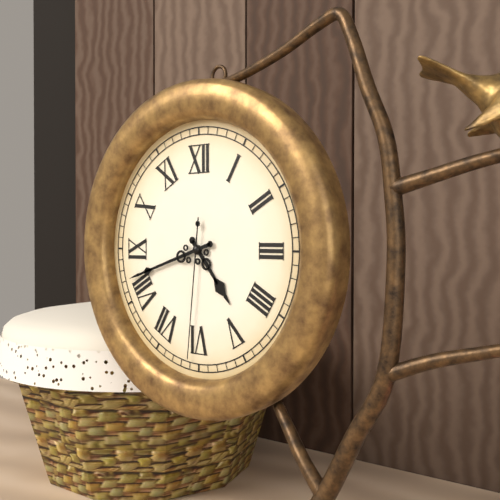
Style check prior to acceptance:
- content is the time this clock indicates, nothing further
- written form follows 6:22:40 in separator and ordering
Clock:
4:42:31
